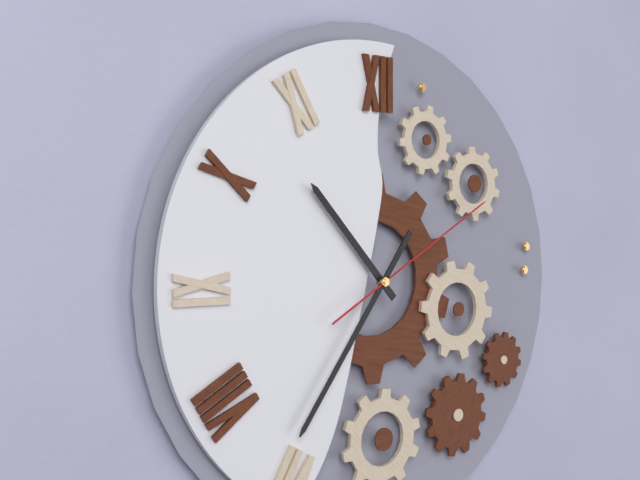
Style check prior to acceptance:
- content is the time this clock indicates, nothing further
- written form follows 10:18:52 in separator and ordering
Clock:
10:36:10
